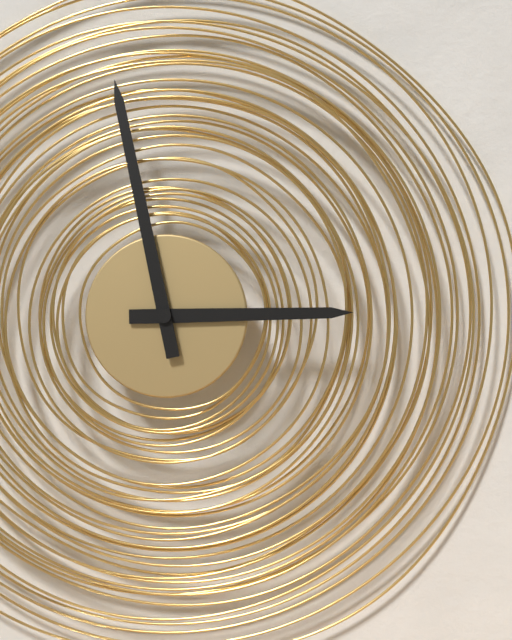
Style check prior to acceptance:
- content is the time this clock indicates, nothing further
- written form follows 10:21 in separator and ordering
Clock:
2:58
